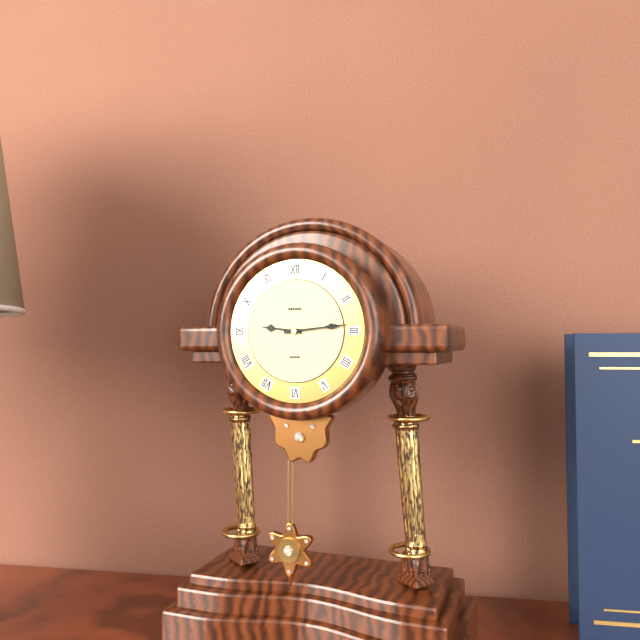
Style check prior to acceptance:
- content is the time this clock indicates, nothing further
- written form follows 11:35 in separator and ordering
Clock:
9:14
